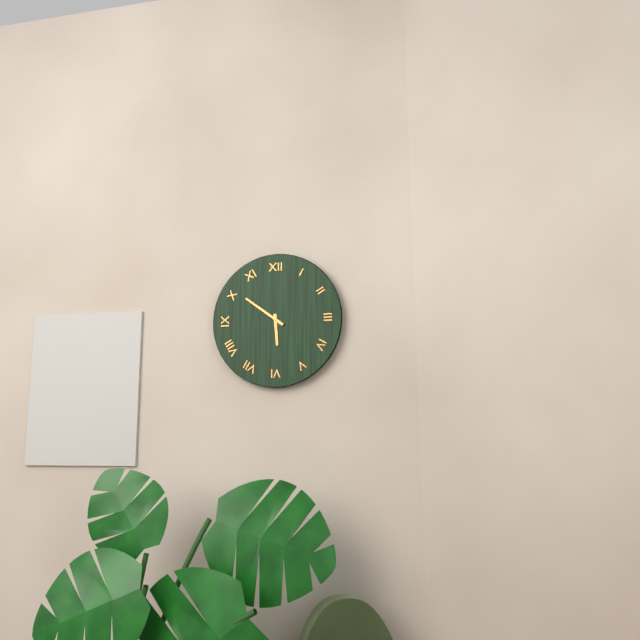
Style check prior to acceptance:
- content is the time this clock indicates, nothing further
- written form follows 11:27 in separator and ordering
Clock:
5:51
